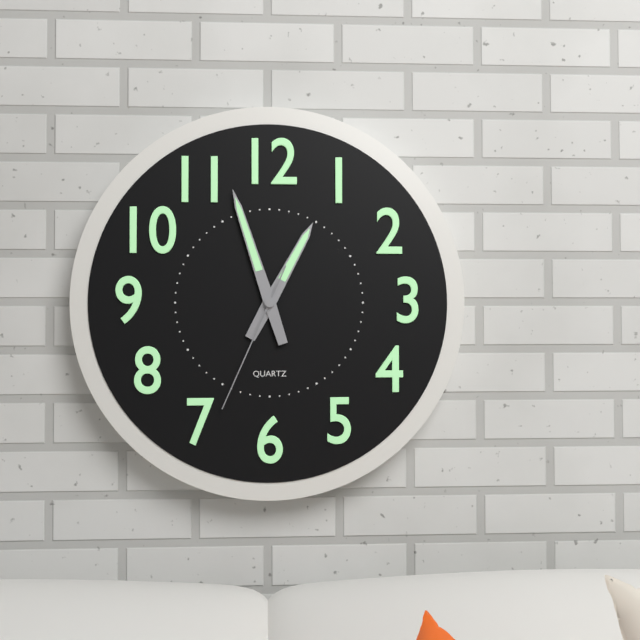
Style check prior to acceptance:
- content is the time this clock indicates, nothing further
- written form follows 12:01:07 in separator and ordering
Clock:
12:57:34
